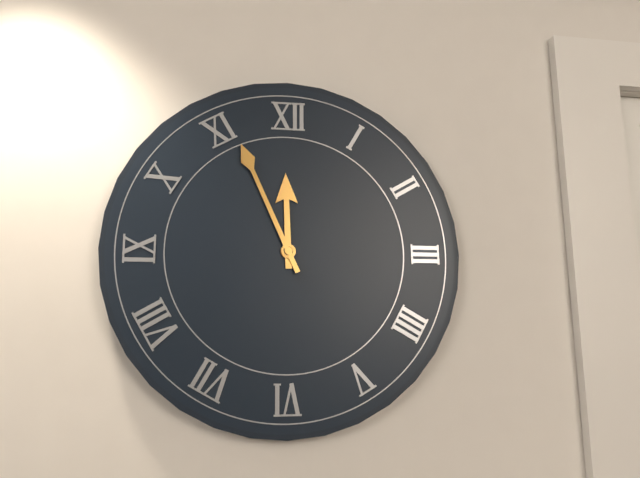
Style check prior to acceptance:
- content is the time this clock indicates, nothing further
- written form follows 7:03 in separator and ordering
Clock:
11:56
